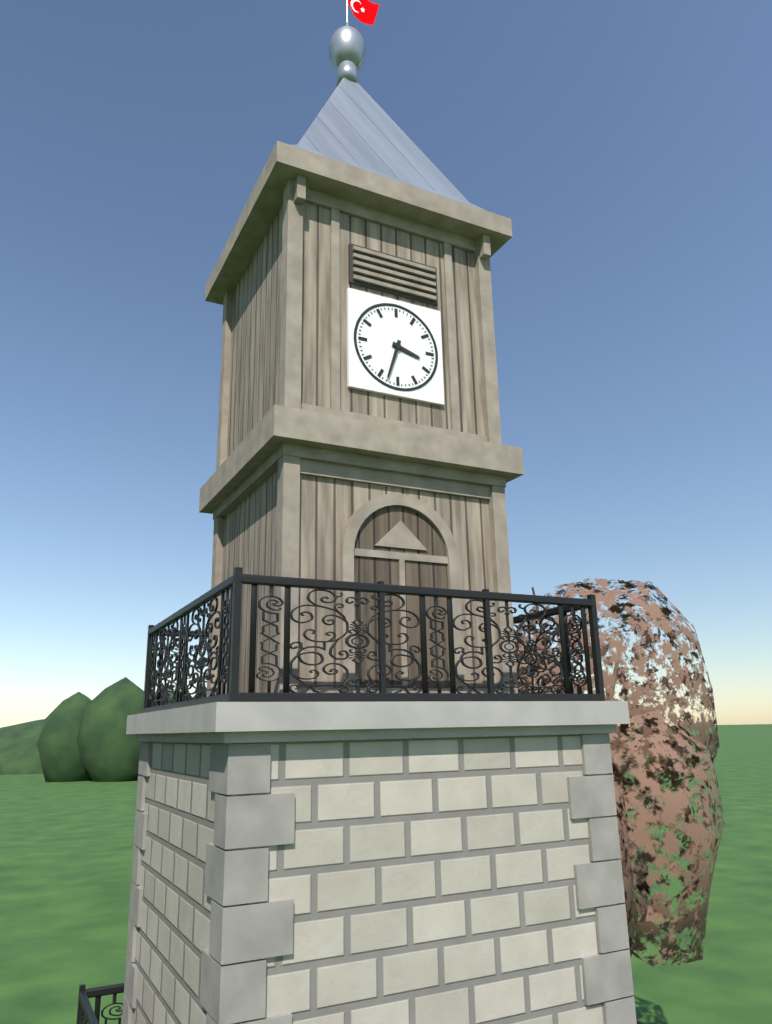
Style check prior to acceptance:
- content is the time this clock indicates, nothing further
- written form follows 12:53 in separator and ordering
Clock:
3:33
